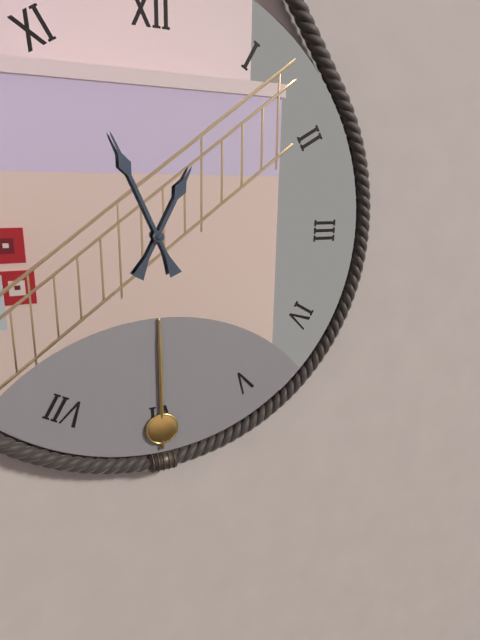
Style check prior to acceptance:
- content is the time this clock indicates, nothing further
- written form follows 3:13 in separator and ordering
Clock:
12:56
